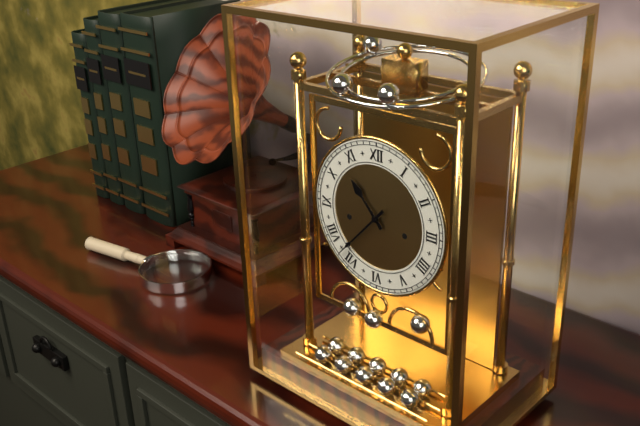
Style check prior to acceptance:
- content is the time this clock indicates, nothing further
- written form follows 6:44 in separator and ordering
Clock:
10:37
